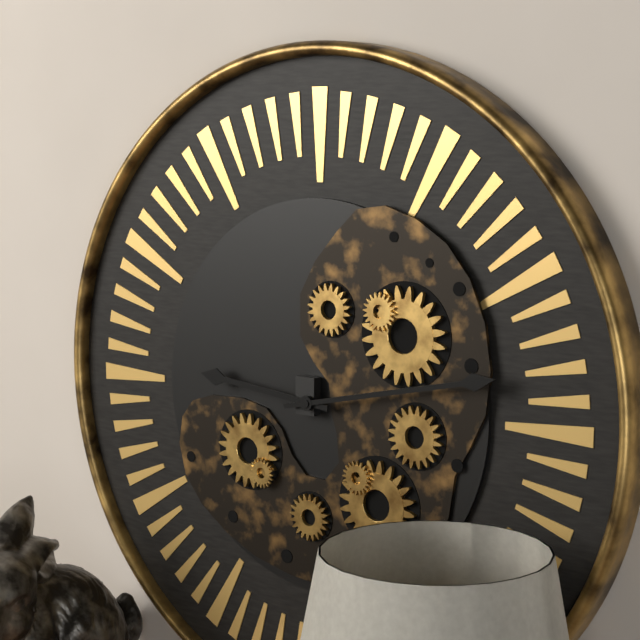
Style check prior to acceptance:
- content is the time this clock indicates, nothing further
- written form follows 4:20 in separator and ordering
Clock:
9:13
